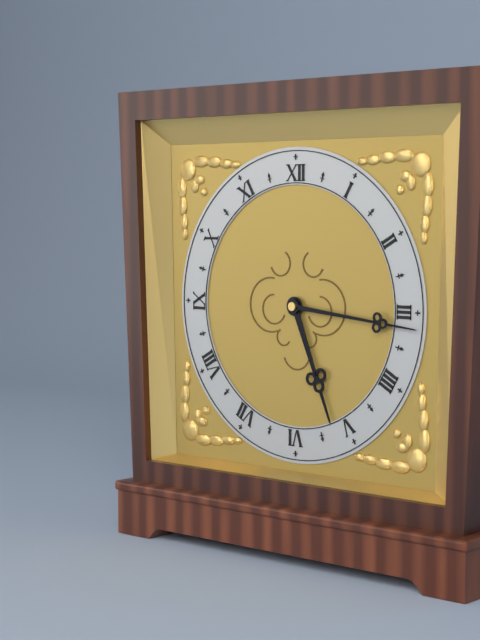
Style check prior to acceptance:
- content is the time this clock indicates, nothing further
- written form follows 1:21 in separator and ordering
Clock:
5:16
